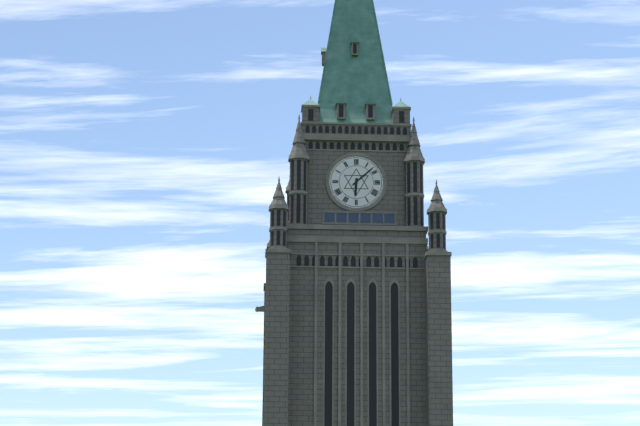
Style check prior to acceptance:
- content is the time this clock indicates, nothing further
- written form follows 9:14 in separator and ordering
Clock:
6:08
